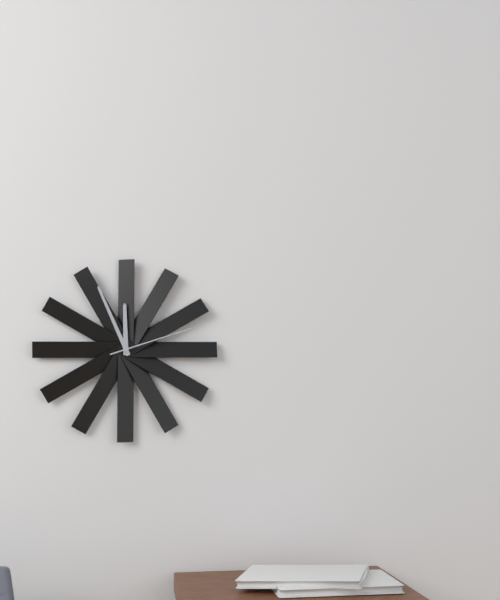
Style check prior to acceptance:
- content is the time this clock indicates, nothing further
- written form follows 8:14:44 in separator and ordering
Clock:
11:56:12
